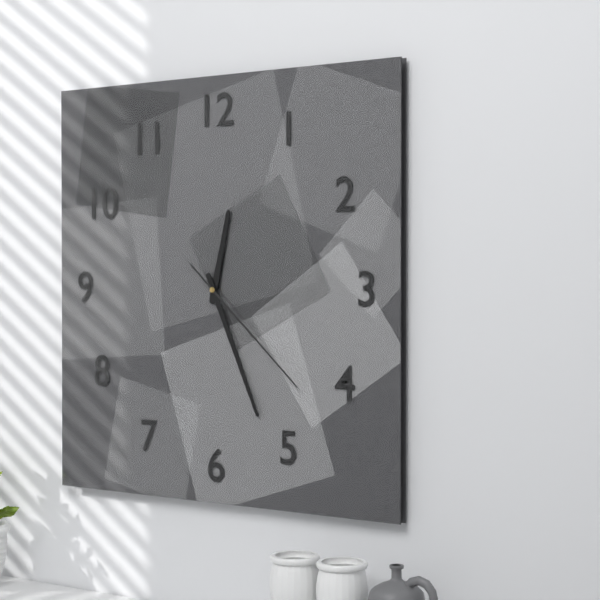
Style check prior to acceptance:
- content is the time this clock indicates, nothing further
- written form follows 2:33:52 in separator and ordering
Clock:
12:26:22
